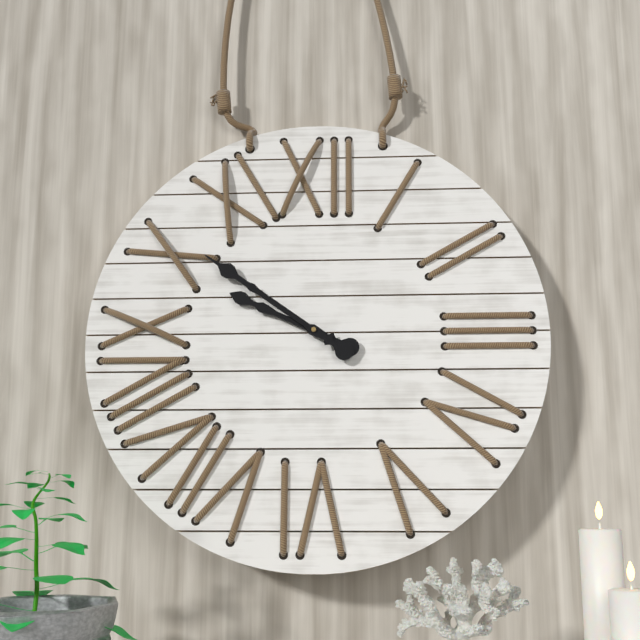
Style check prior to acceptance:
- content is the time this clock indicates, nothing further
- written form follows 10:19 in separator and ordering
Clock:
9:51
